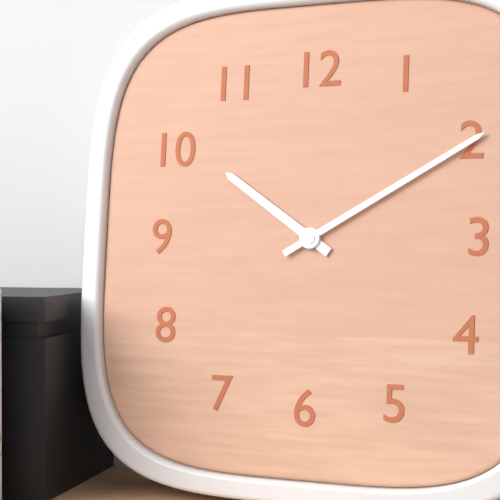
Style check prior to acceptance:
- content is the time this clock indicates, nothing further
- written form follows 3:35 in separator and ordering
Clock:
10:10
